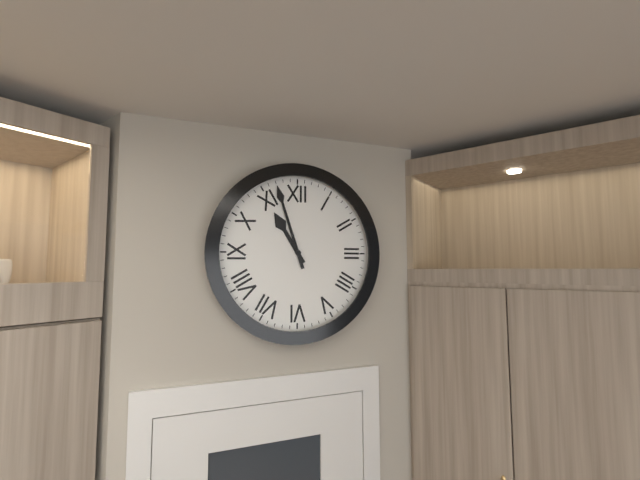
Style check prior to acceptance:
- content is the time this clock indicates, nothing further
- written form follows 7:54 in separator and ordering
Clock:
10:57
